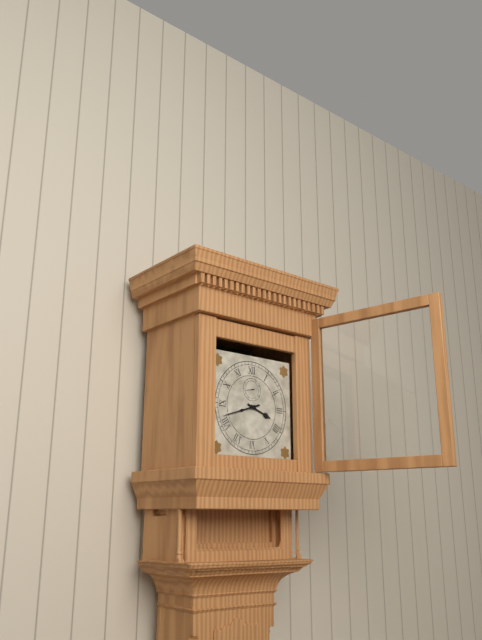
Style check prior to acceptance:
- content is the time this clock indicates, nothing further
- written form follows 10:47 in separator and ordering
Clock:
3:42
